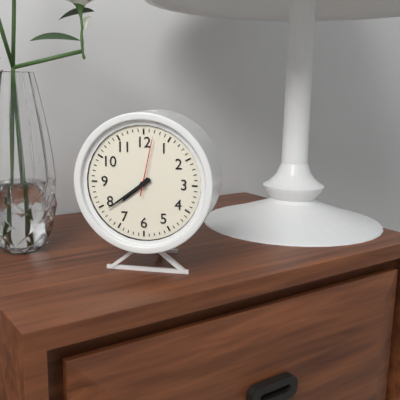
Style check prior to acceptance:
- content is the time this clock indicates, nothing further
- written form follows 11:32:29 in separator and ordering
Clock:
7:39:02
